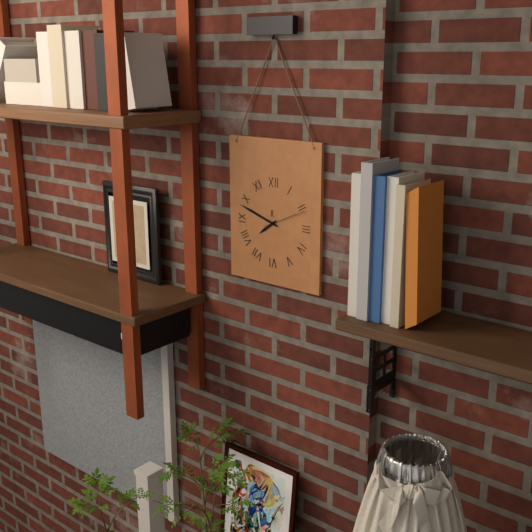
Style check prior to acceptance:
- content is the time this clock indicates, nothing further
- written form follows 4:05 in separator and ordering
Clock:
7:48
